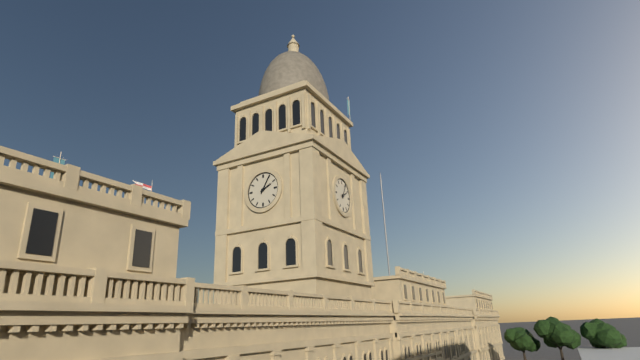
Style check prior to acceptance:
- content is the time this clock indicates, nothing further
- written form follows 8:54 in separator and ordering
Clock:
2:05
